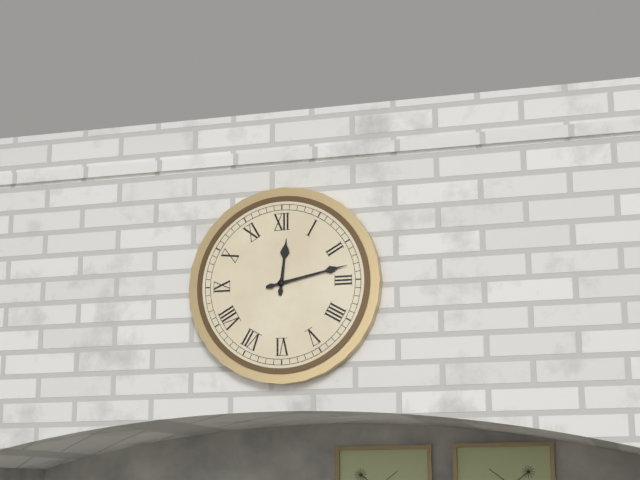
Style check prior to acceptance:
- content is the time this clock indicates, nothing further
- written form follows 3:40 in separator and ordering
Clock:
12:13
